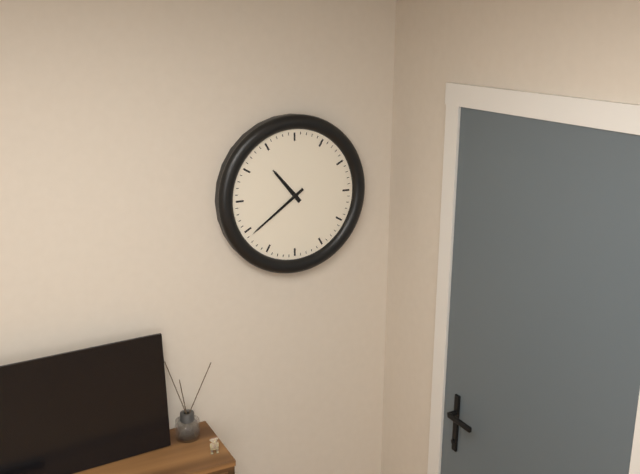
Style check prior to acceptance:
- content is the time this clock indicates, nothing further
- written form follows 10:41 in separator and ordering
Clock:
10:39
